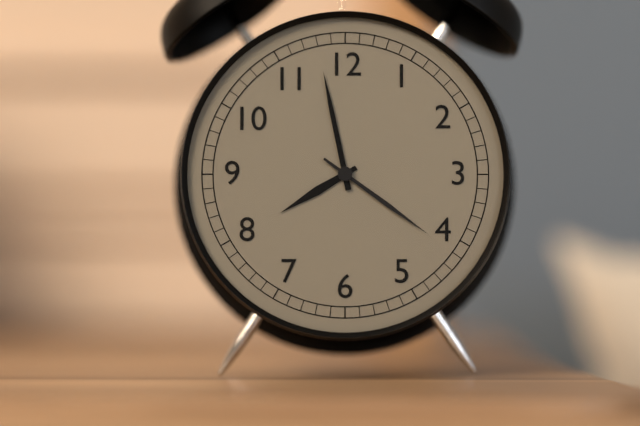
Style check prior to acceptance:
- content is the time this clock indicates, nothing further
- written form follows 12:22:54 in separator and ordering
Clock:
7:58:21
